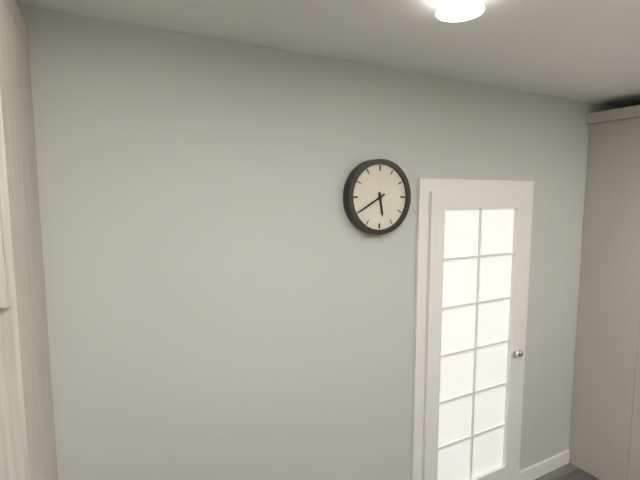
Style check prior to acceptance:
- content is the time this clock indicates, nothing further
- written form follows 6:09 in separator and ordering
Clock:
5:40
